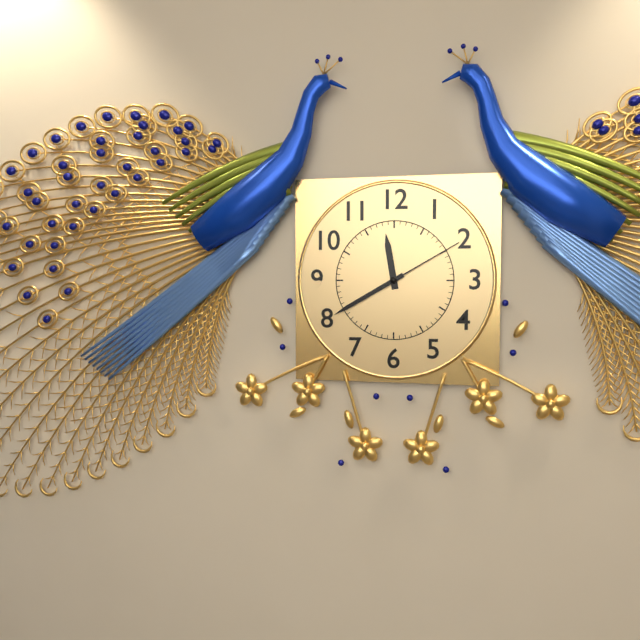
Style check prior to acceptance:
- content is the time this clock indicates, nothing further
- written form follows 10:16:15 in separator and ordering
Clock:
11:40:10
